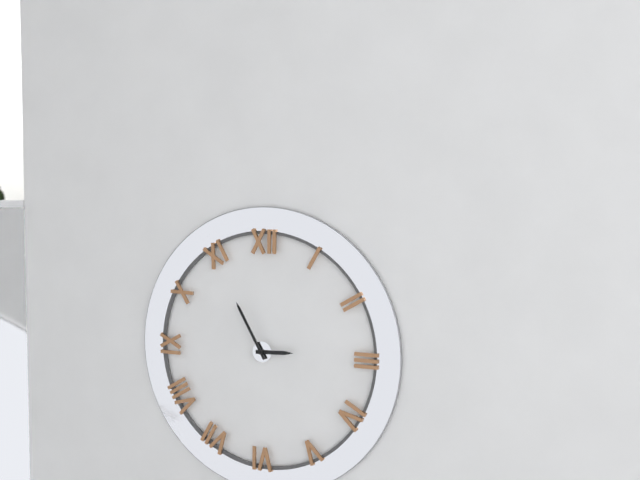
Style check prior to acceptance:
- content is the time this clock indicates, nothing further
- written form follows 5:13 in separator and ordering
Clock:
2:55
